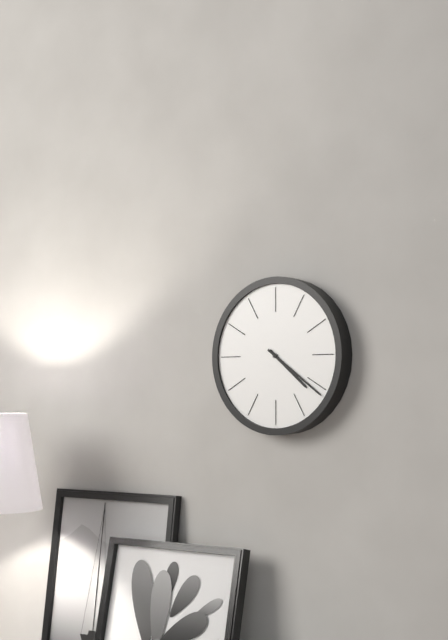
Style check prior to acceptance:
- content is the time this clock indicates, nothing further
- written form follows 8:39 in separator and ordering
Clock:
4:21
